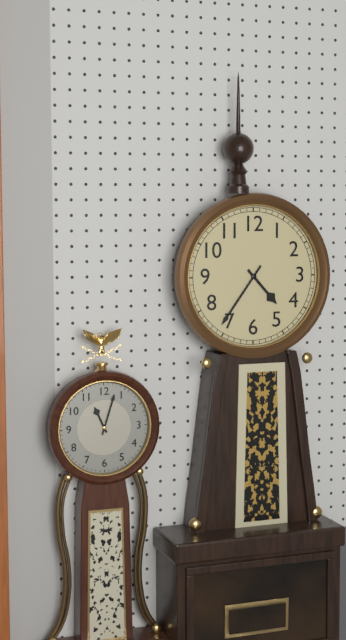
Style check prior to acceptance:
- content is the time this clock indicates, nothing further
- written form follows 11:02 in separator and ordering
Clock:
4:36
